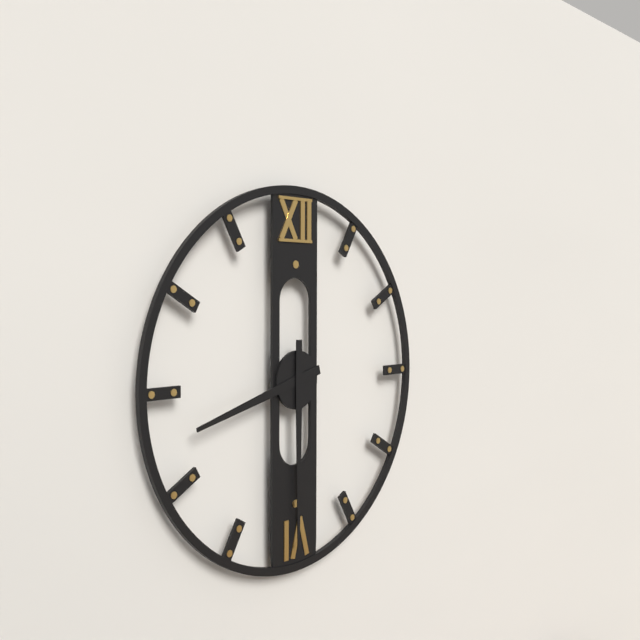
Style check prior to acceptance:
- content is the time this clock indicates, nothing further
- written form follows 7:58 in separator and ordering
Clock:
8:30
